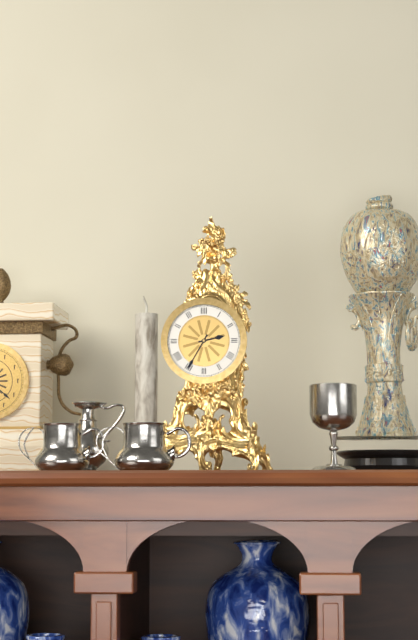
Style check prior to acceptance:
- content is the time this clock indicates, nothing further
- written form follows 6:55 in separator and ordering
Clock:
2:35
